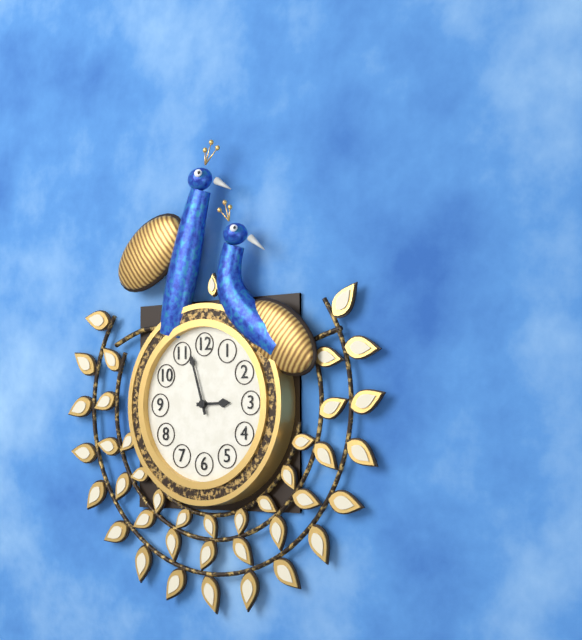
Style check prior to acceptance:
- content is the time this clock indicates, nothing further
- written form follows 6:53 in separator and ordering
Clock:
2:57
